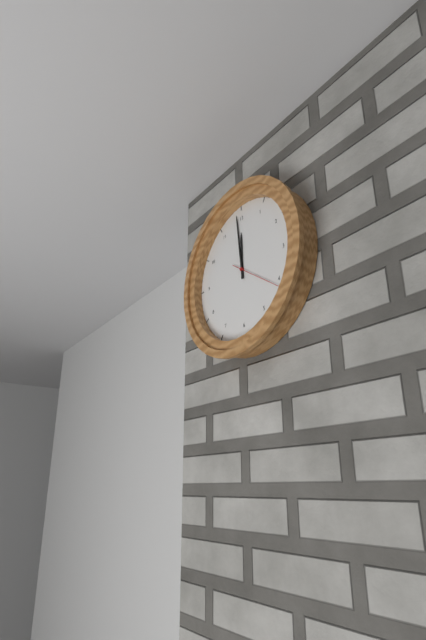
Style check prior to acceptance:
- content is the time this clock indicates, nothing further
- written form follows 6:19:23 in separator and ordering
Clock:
11:59:21
